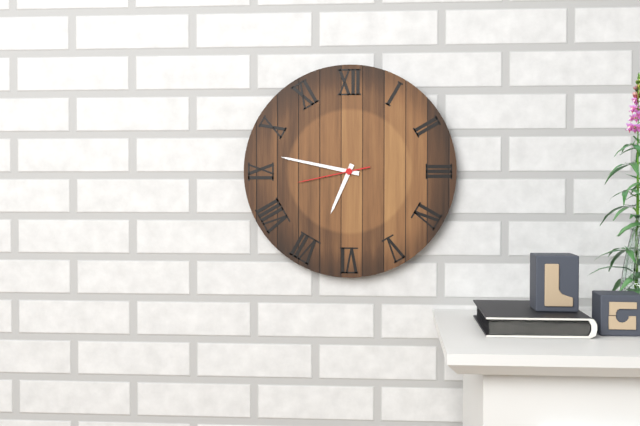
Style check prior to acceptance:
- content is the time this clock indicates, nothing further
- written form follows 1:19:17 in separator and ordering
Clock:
6:47:43
